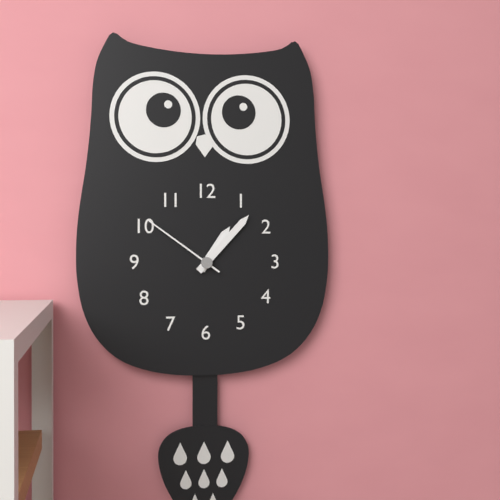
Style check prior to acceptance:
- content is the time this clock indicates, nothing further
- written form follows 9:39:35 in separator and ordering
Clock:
1:07:51
